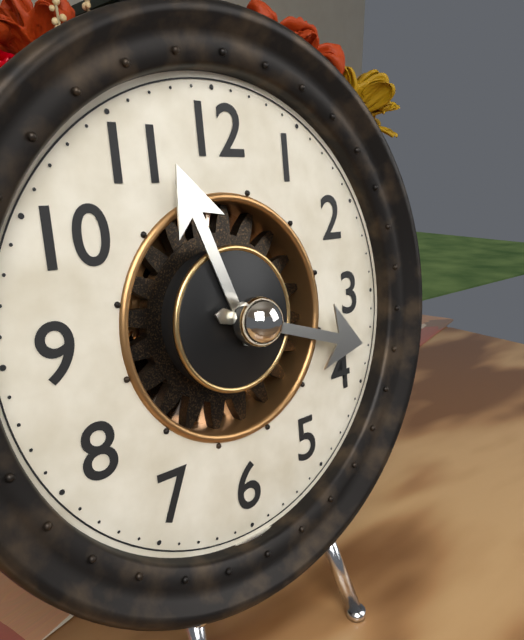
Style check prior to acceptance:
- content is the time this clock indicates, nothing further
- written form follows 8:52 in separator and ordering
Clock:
11:18
